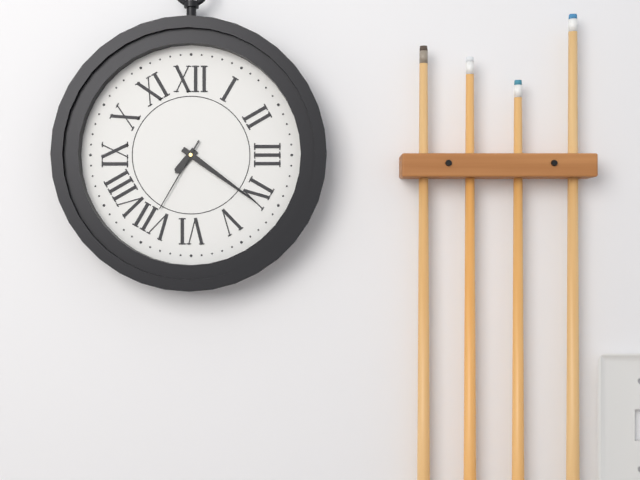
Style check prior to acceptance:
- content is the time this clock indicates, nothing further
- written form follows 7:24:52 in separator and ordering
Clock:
7:21:35
